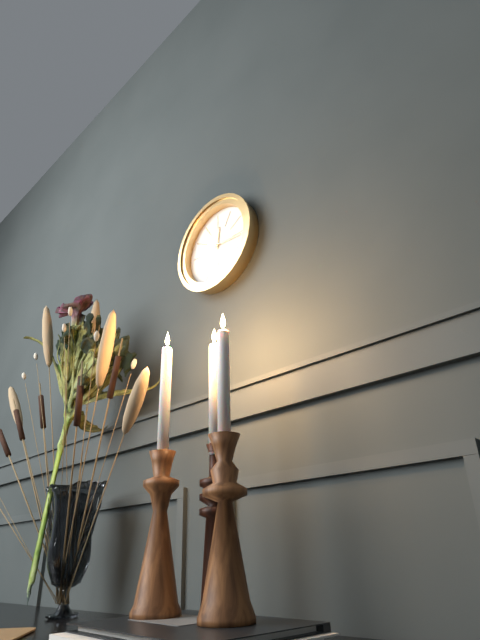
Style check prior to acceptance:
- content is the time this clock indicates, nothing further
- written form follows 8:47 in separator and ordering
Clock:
12:16
